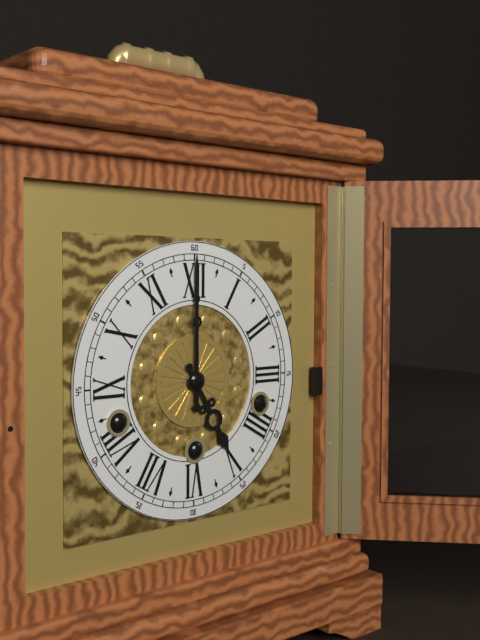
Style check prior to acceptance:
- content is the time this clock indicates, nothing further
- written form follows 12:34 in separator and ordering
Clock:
5:00
